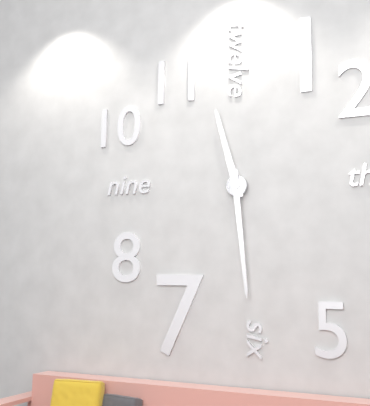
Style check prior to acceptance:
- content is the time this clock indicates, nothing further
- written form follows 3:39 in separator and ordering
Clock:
11:29
